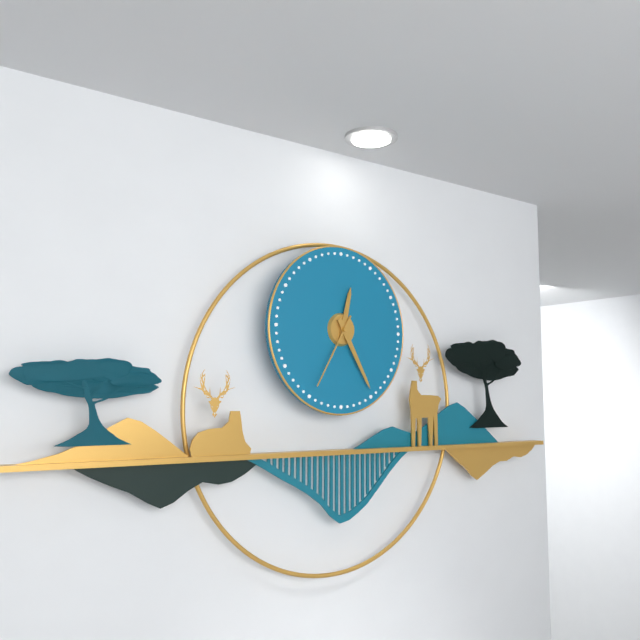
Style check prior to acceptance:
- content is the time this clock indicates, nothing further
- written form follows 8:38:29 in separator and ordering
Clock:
12:25:35
